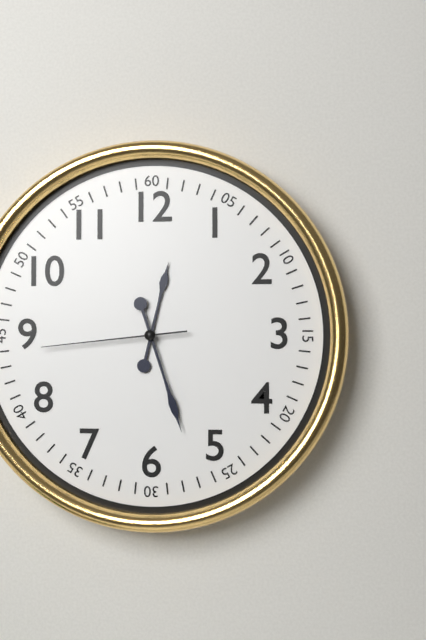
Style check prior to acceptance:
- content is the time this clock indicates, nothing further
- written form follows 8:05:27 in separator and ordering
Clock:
12:27:44
